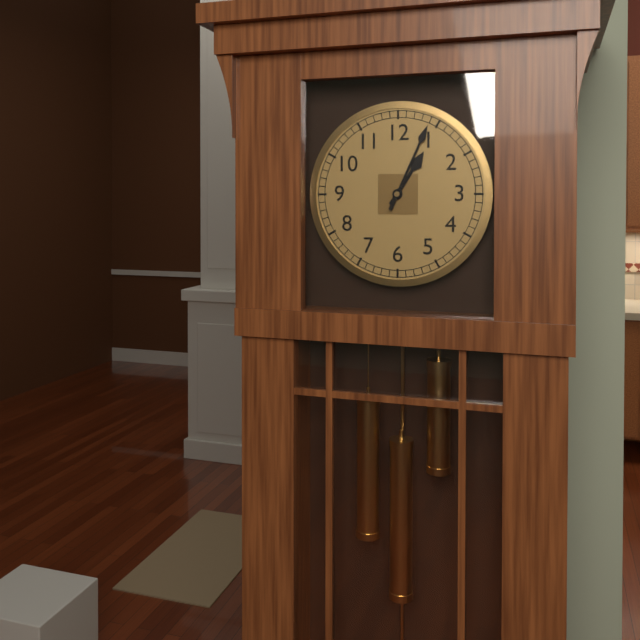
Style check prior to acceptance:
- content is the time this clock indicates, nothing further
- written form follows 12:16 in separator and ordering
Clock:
1:04
